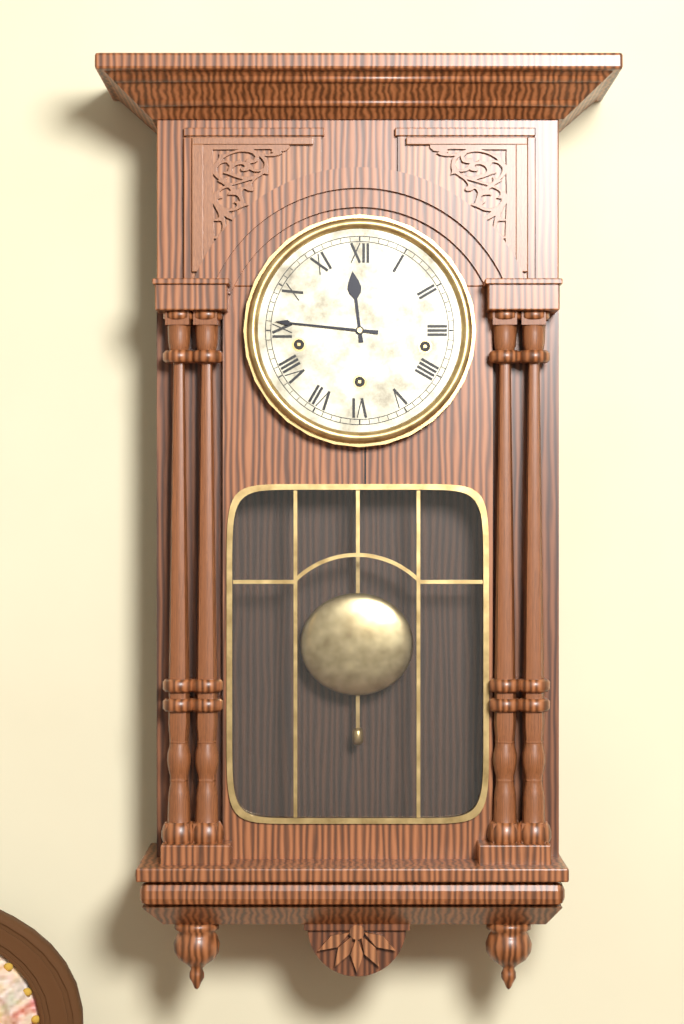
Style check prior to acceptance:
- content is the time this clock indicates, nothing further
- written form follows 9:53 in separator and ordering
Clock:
11:46
